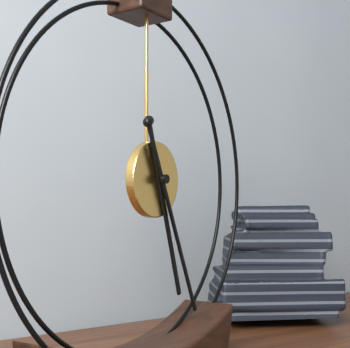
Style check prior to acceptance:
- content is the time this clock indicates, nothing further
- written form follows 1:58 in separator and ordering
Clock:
5:26
